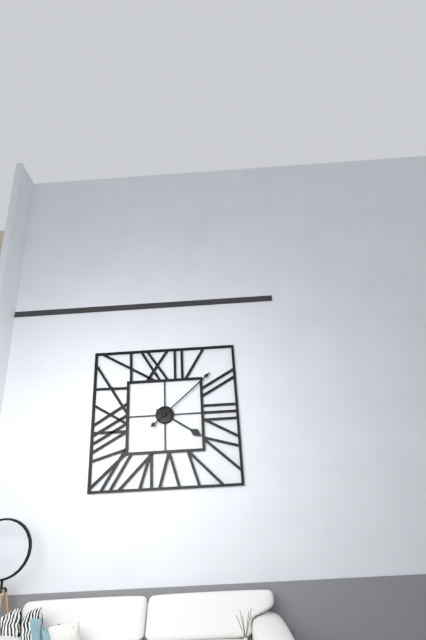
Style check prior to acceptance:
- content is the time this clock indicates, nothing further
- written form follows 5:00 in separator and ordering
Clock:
4:08
